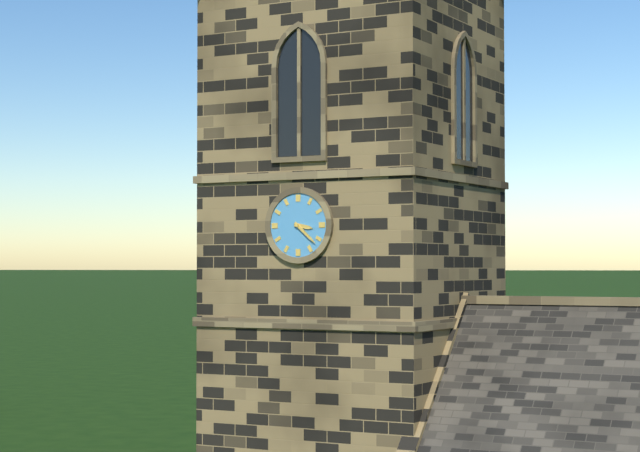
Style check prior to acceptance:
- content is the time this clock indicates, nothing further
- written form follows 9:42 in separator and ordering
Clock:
3:22
